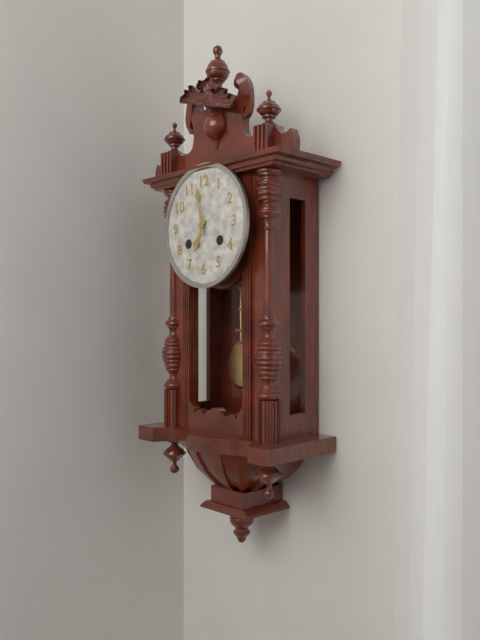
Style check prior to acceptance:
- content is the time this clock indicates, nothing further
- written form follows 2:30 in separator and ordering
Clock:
6:58
